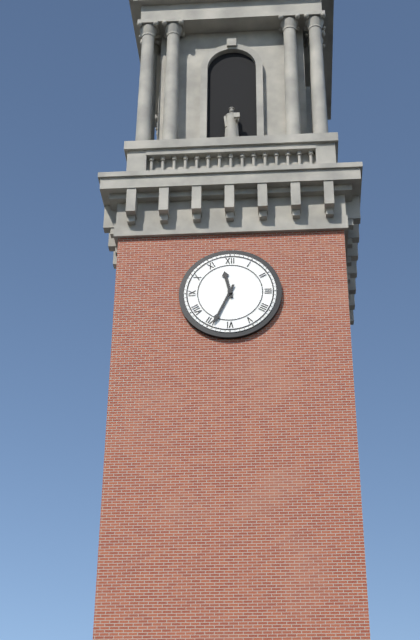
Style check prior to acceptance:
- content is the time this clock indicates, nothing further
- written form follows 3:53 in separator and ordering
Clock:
11:34
